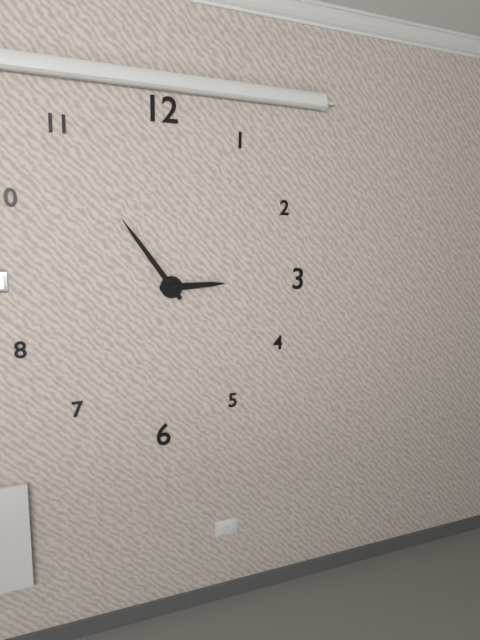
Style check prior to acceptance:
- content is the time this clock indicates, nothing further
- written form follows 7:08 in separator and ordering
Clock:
2:54
